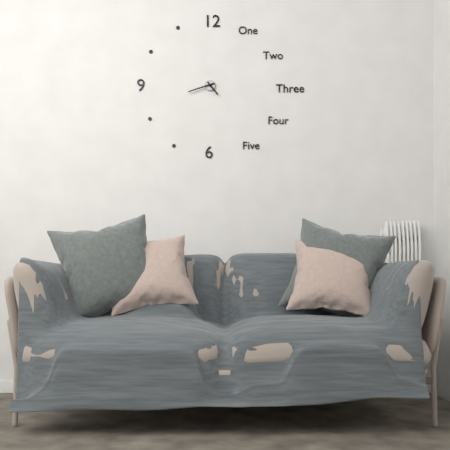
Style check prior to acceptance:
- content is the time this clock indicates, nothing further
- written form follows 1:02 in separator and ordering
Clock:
4:42
